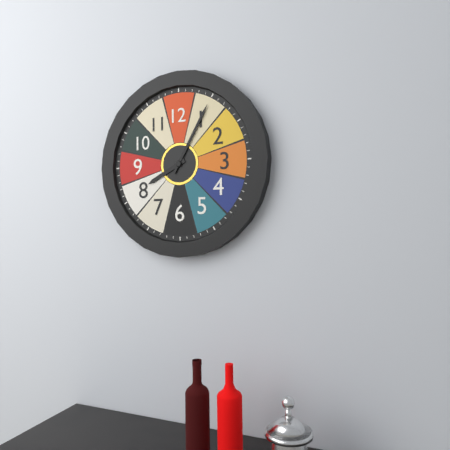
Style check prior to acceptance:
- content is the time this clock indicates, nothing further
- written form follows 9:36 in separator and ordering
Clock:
8:05
